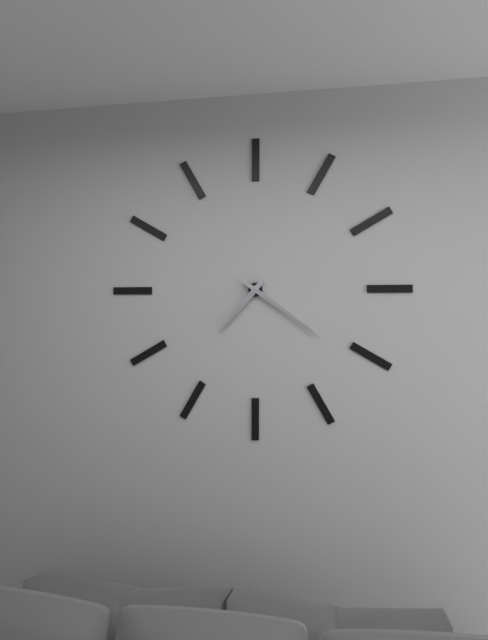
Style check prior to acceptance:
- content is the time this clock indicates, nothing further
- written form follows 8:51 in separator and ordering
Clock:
7:21
